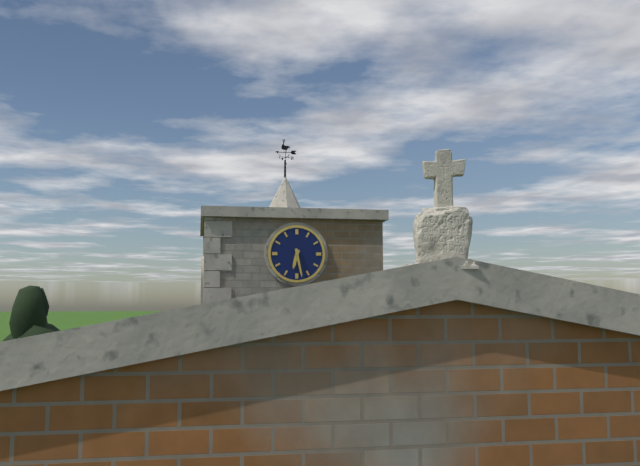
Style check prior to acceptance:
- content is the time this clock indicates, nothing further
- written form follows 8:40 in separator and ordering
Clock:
6:28
